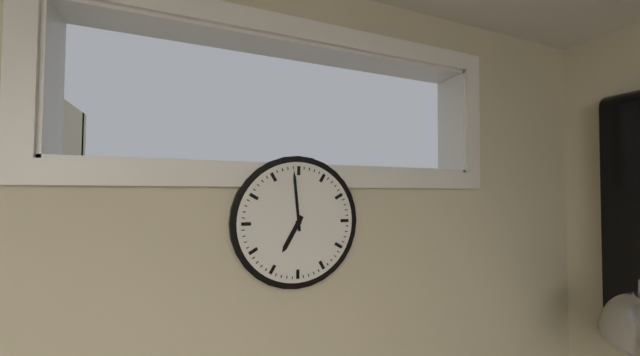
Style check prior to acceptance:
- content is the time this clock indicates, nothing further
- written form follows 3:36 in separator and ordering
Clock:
6:59
